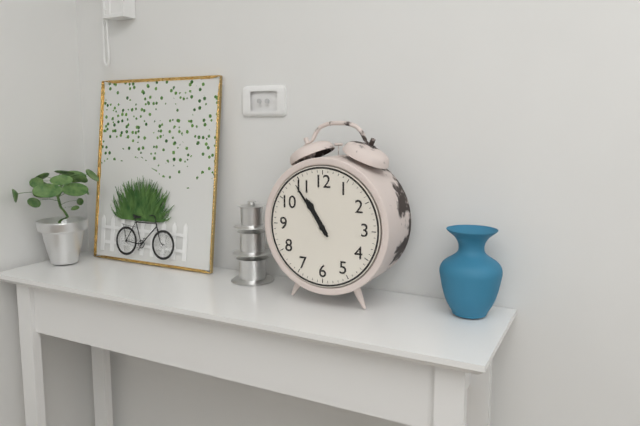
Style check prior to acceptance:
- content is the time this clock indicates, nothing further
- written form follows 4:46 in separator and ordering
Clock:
10:54
